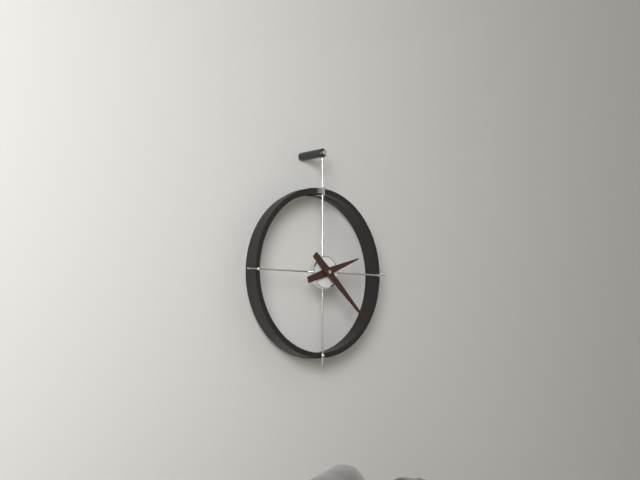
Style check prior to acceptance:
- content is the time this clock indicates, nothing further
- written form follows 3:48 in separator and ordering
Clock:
2:22
